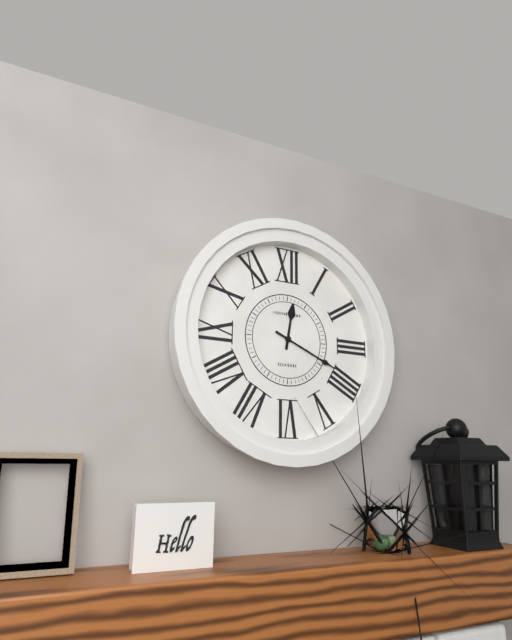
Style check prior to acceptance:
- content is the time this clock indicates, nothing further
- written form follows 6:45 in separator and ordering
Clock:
12:19
